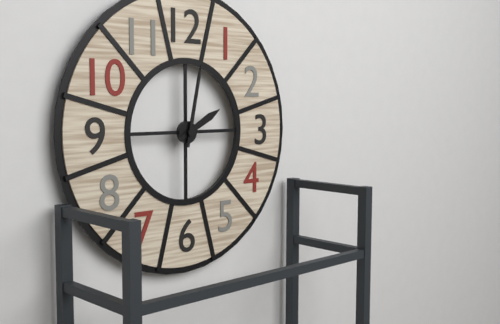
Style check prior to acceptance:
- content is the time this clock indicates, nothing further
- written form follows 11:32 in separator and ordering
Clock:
2:02
